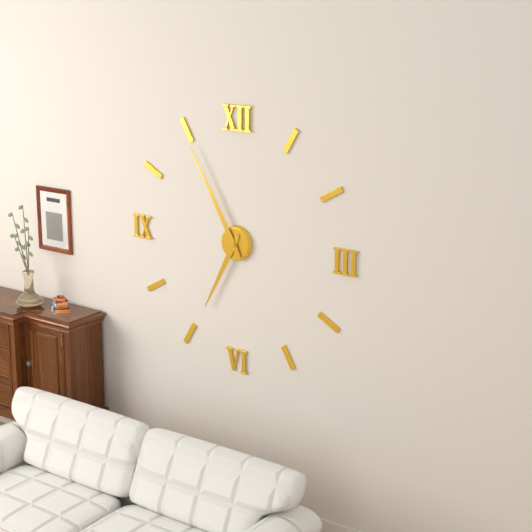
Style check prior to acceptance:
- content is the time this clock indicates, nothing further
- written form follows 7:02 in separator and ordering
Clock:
6:55
